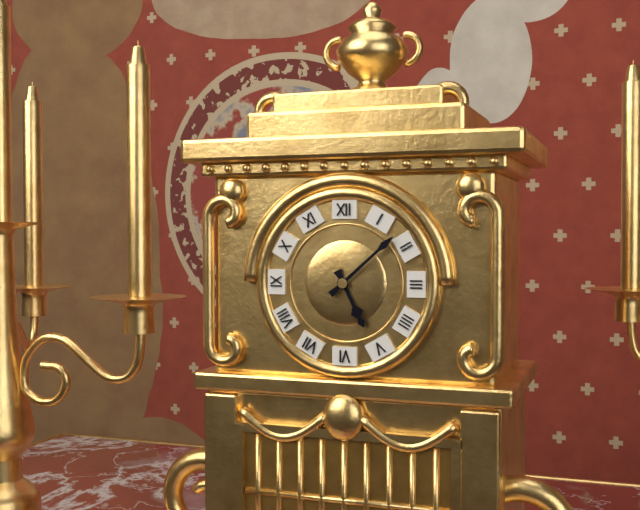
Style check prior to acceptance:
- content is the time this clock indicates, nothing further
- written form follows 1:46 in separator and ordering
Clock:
5:08
